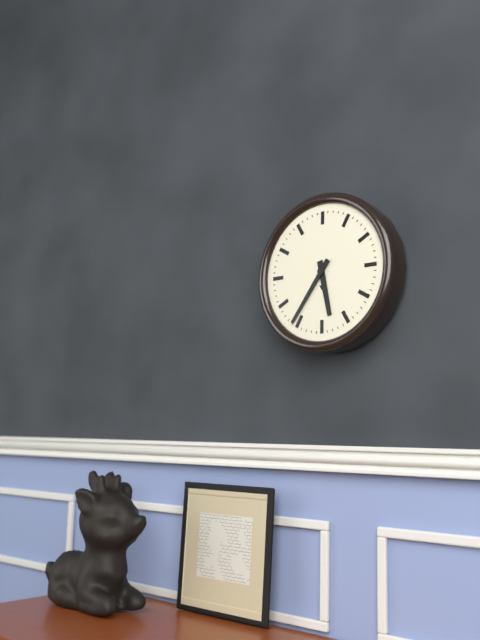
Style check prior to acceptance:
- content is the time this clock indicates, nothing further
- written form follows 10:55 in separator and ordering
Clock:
5:36
